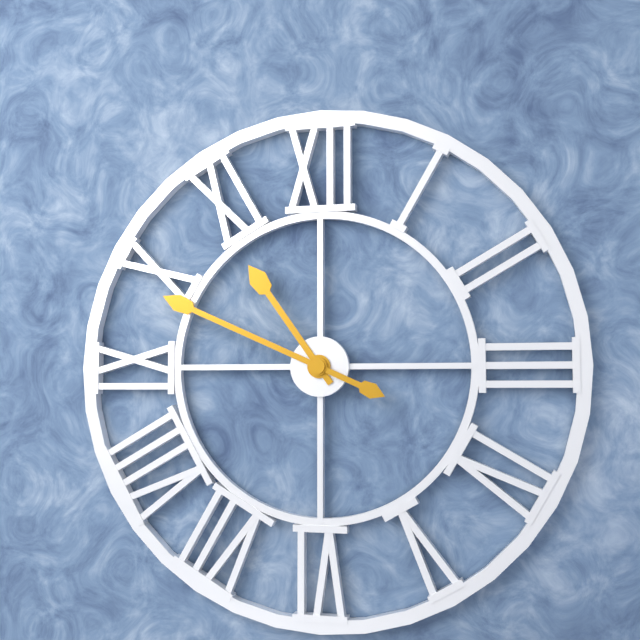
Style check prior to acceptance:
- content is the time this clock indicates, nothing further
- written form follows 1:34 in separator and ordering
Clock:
10:49
